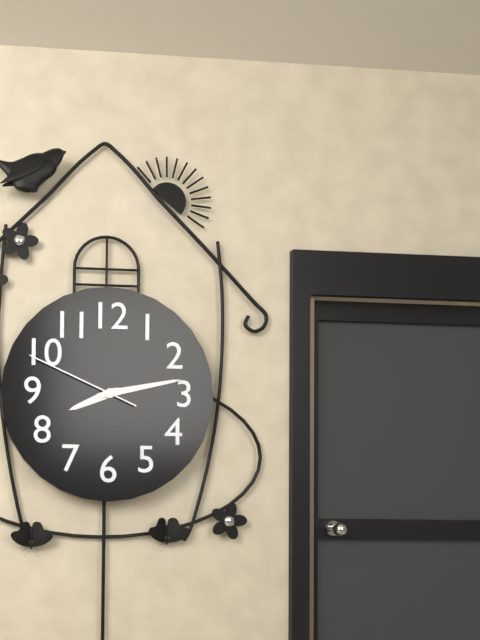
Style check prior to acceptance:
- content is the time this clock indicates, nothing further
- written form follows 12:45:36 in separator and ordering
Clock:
8:13:49
